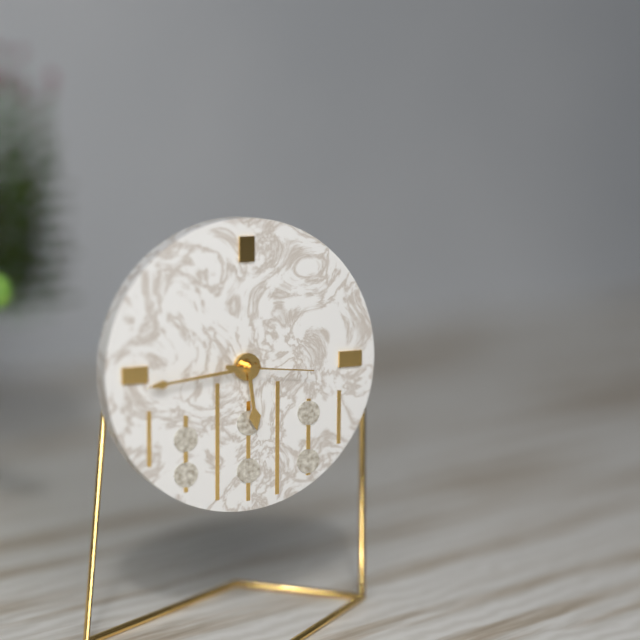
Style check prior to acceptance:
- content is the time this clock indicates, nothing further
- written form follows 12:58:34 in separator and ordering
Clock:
5:44:16
